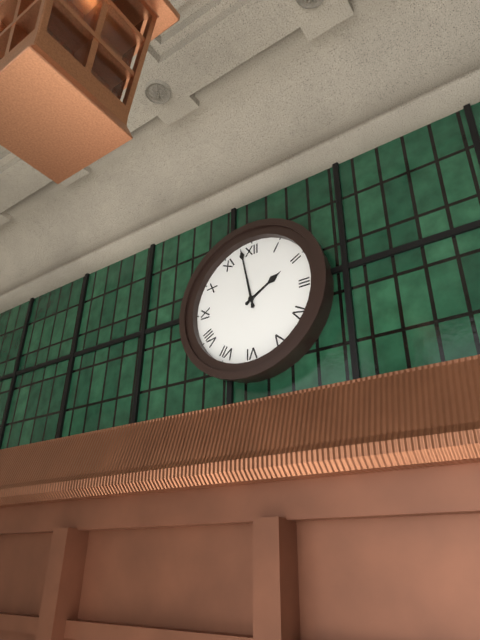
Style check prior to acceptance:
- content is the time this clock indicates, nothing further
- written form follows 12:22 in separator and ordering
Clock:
1:58
